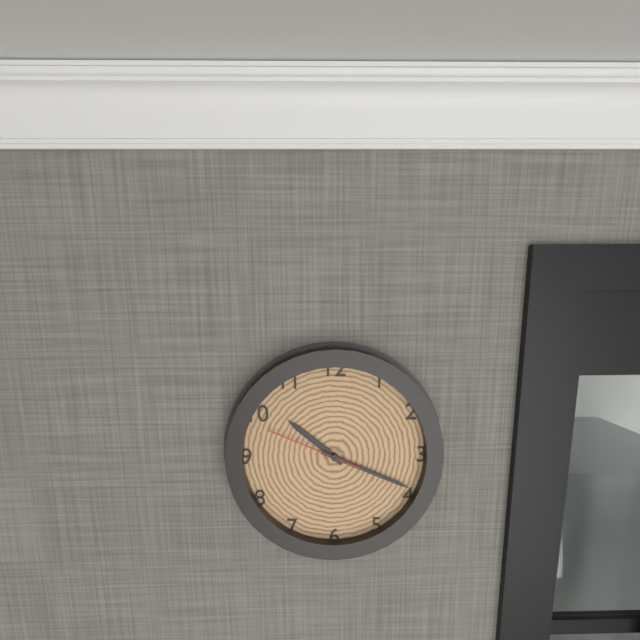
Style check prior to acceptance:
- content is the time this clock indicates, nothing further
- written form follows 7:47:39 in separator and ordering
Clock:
10:19:49
